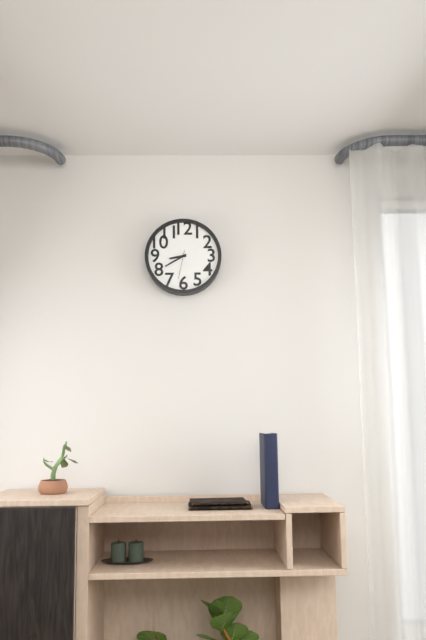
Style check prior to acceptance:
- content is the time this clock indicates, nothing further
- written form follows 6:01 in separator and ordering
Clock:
8:40
